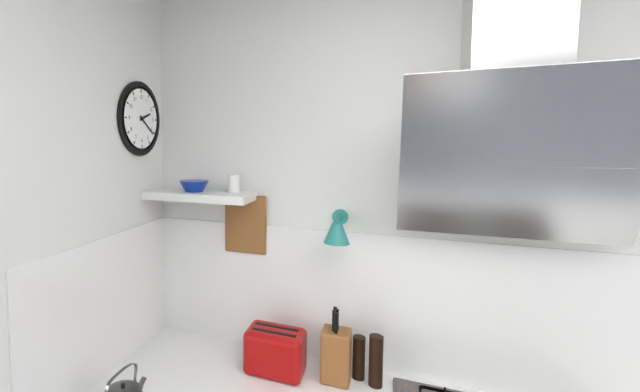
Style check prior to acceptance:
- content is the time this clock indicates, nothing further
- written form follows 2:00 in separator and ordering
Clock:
2:21
